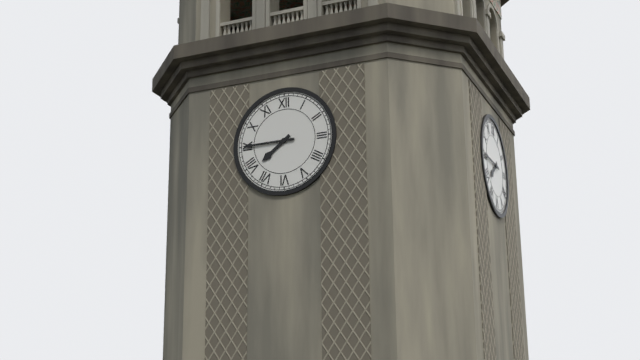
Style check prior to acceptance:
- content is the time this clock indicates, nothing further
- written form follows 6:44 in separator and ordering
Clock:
7:45
